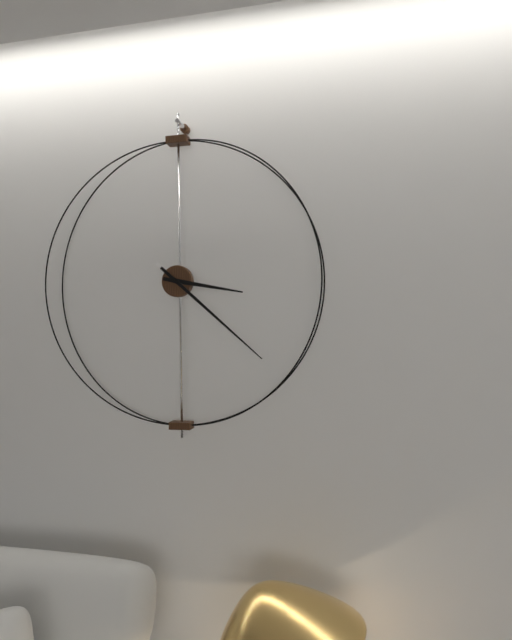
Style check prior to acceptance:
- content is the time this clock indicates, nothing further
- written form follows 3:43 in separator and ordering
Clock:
3:22
